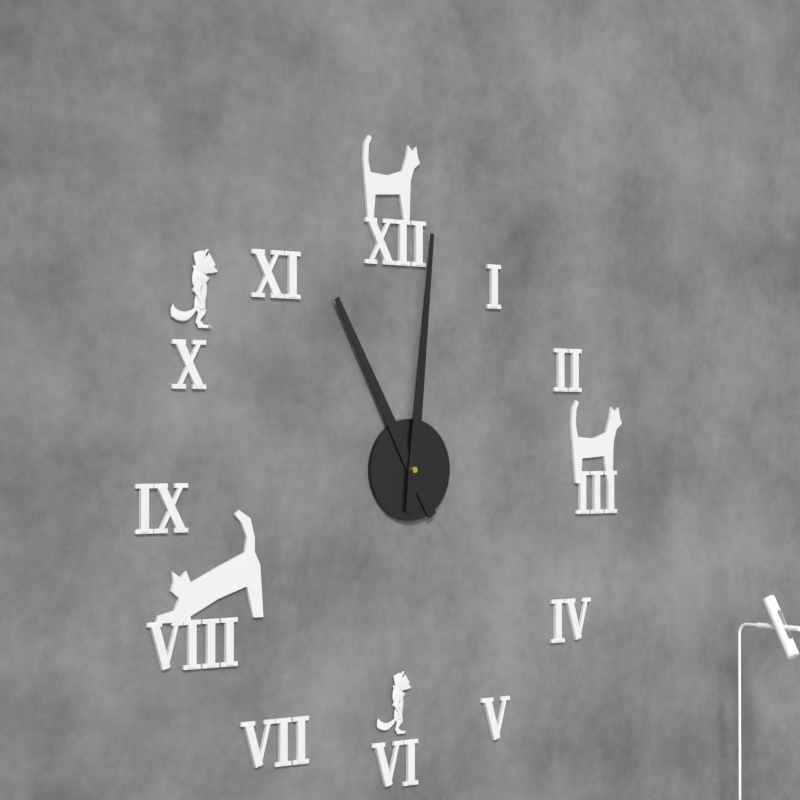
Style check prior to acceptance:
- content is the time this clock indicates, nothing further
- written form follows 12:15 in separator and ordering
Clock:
11:01
